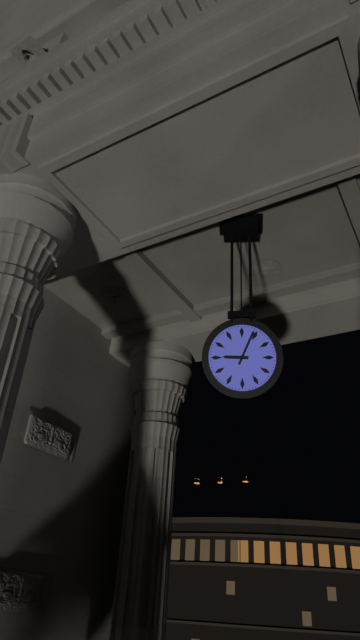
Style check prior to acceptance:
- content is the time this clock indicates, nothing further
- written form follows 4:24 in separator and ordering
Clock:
9:04
